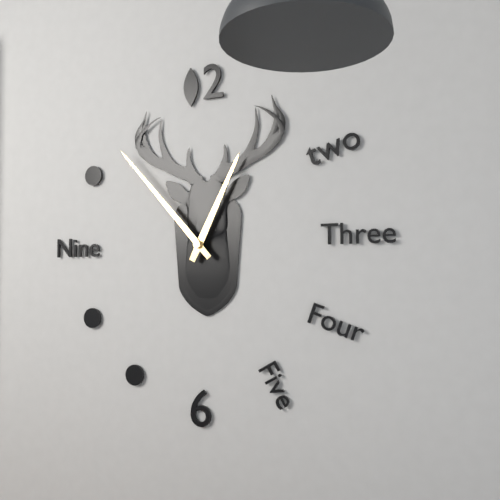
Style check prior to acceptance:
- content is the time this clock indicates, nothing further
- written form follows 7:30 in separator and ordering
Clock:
12:53
